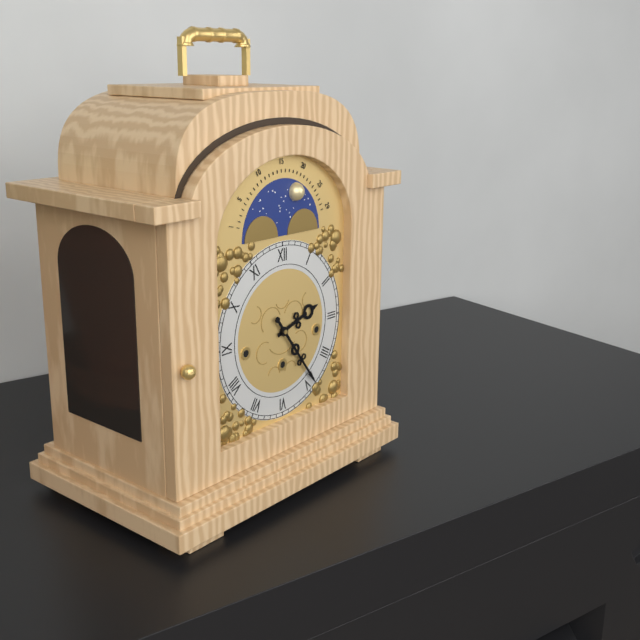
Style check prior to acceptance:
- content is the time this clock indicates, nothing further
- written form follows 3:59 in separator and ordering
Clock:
2:24
